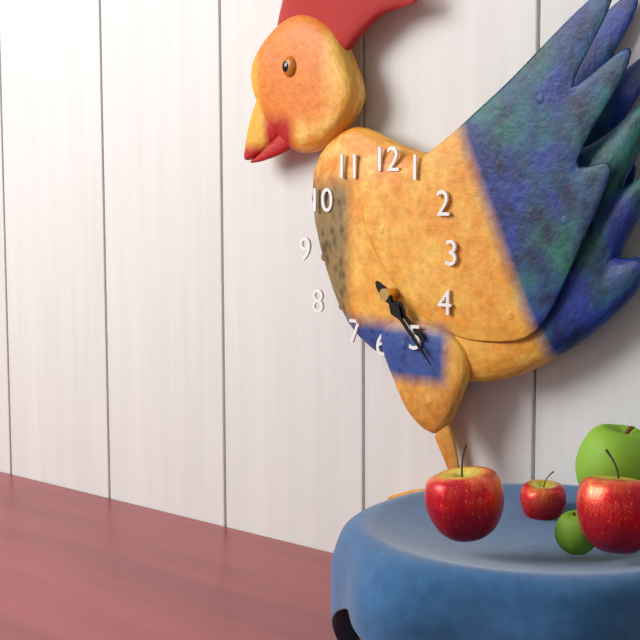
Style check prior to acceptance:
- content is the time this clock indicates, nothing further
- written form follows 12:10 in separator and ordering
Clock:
4:23
